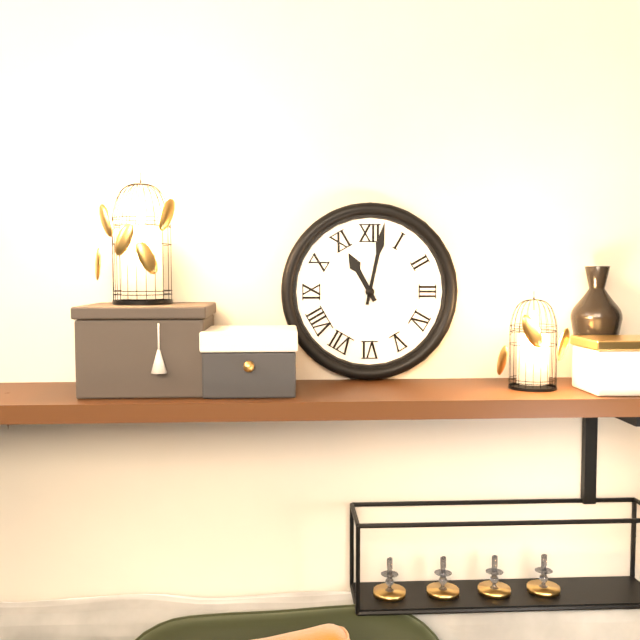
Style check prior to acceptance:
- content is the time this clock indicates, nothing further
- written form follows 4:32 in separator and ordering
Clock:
11:02
